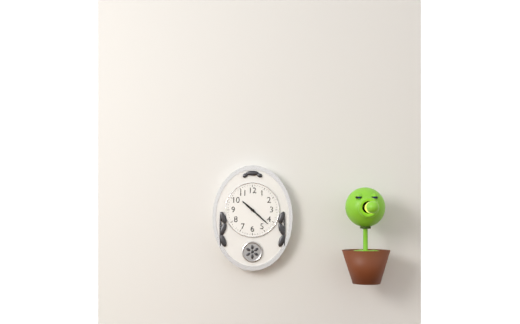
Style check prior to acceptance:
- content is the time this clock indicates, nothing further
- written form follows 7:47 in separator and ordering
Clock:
10:22
